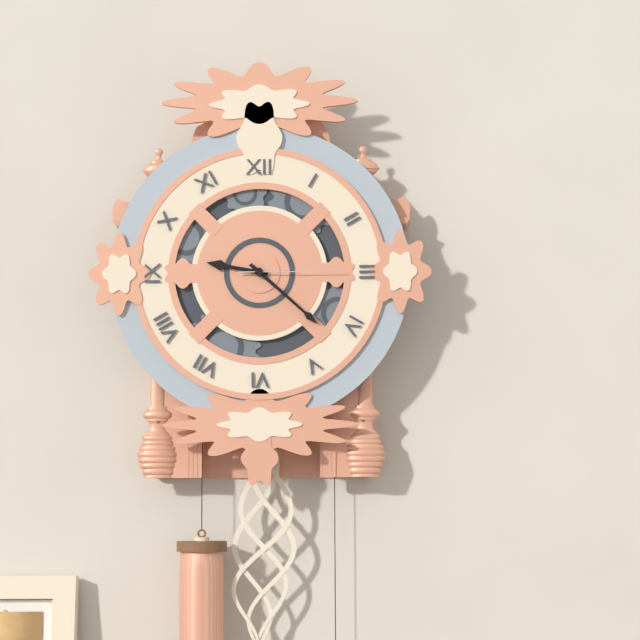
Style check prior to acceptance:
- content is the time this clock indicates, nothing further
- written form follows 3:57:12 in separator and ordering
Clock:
9:22:15
